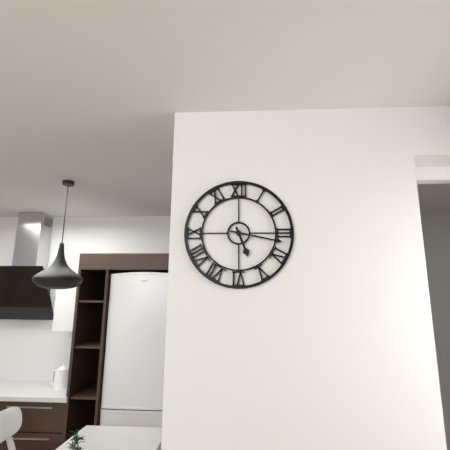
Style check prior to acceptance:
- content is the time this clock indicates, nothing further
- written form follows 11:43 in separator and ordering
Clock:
5:17
